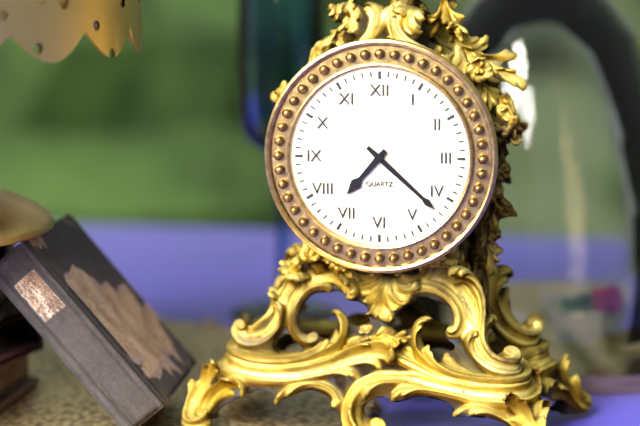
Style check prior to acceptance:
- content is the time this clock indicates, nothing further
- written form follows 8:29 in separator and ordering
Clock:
7:22
